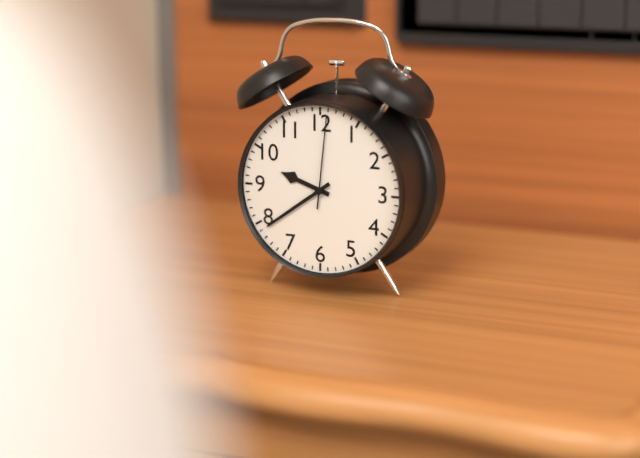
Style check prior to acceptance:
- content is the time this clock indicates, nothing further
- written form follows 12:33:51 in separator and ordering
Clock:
9:39:01
